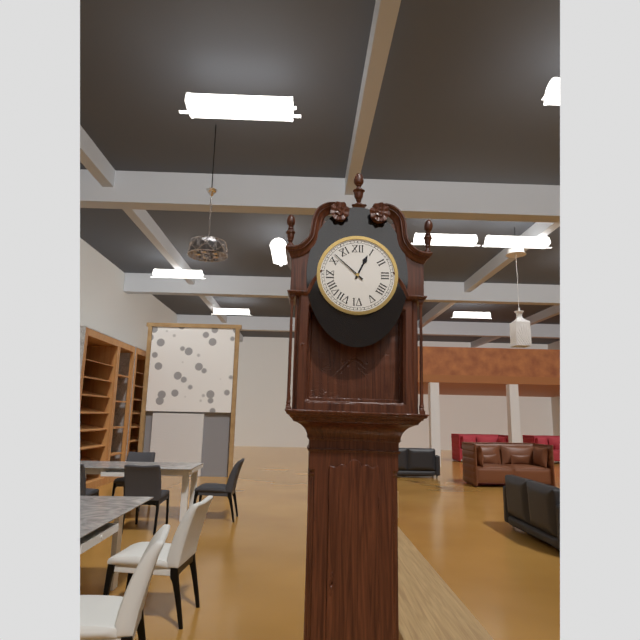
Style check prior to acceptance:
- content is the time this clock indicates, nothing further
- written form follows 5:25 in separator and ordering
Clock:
12:52
